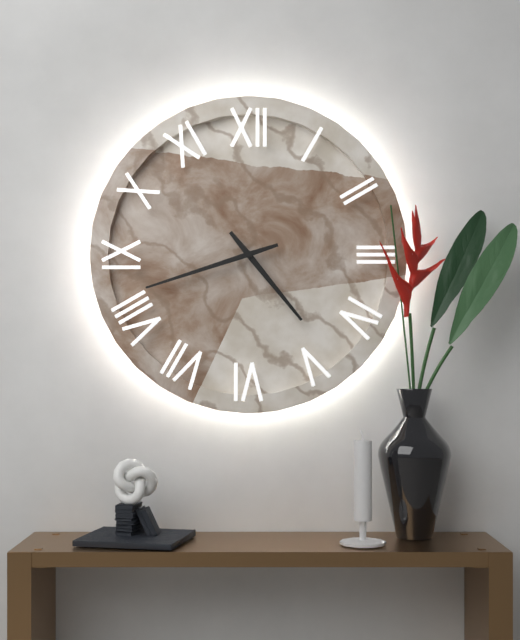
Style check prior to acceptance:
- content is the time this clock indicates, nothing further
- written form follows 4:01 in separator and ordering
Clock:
4:42
